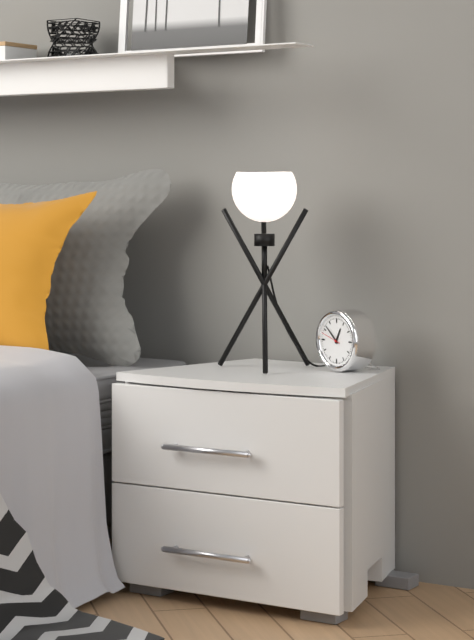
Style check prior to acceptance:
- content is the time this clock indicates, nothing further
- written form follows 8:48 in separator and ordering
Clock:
12:52
